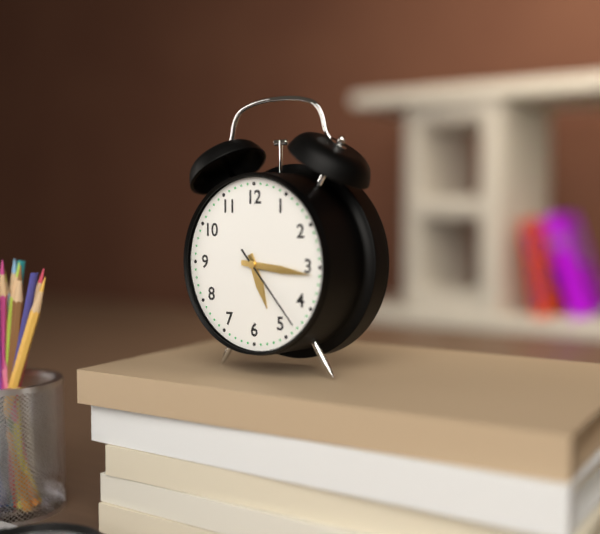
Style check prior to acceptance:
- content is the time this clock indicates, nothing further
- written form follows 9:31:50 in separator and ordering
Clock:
5:16:23
